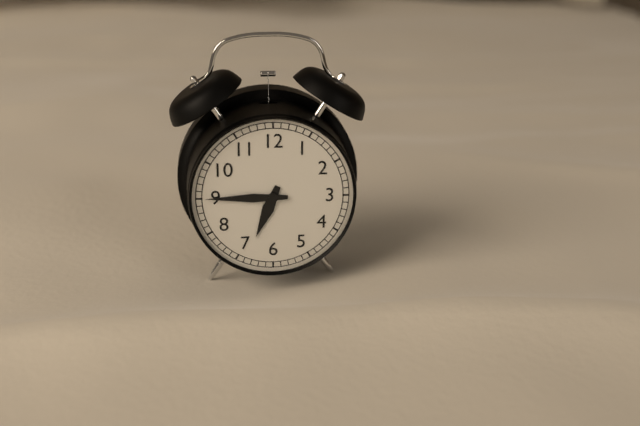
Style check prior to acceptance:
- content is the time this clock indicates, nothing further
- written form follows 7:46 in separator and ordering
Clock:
6:45
